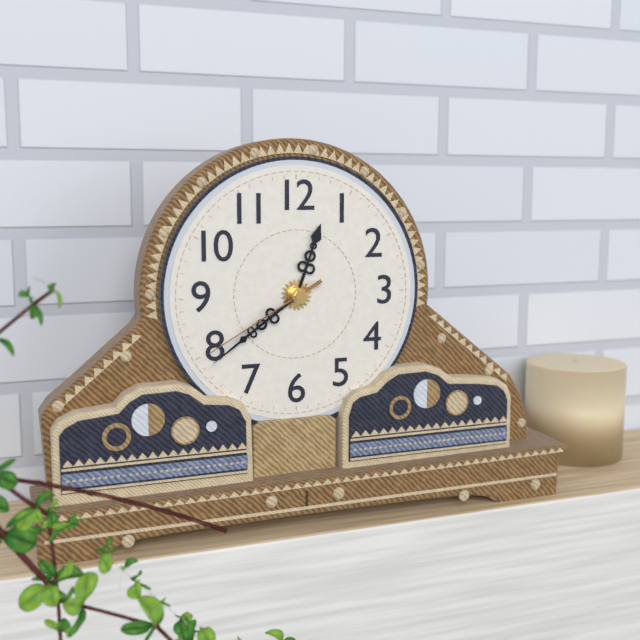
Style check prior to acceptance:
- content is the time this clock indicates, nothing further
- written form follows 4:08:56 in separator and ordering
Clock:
12:39:40
